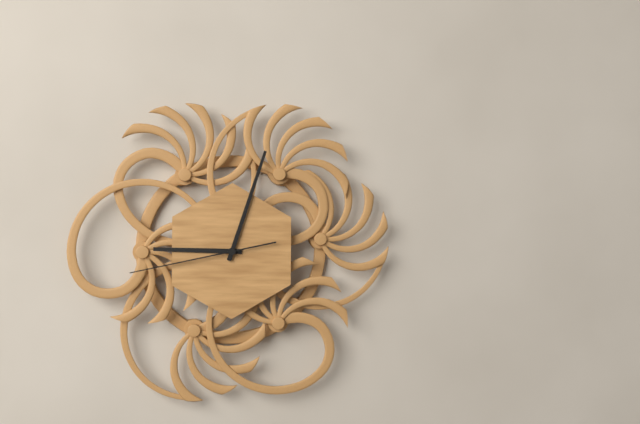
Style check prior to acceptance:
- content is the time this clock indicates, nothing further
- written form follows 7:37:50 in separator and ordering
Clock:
9:03:43
